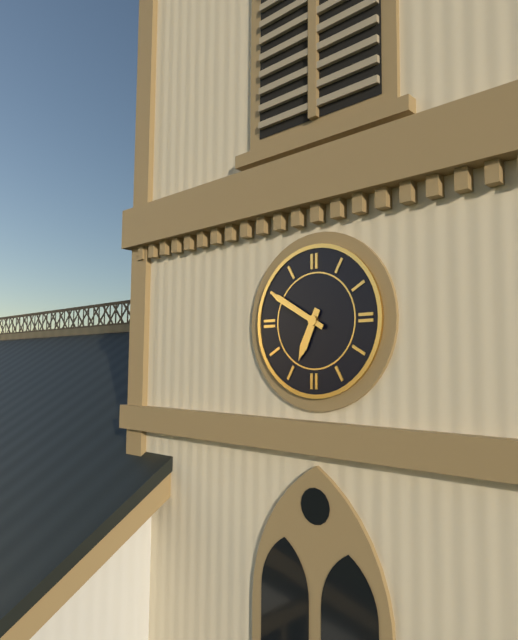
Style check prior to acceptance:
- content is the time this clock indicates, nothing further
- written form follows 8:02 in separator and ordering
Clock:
6:50
